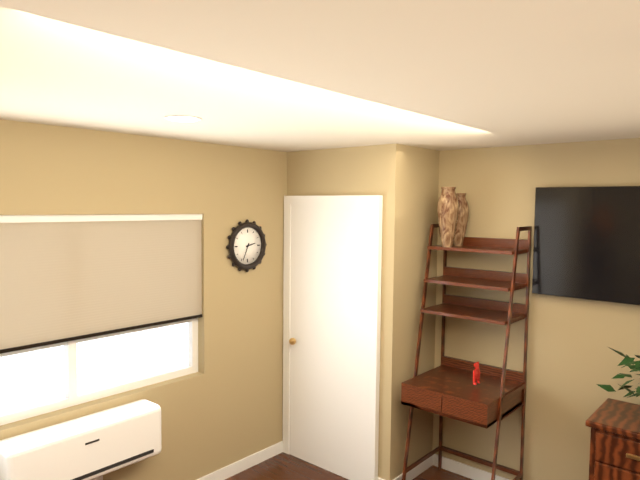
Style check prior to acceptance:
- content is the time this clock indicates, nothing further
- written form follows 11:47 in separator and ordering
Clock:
2:34
